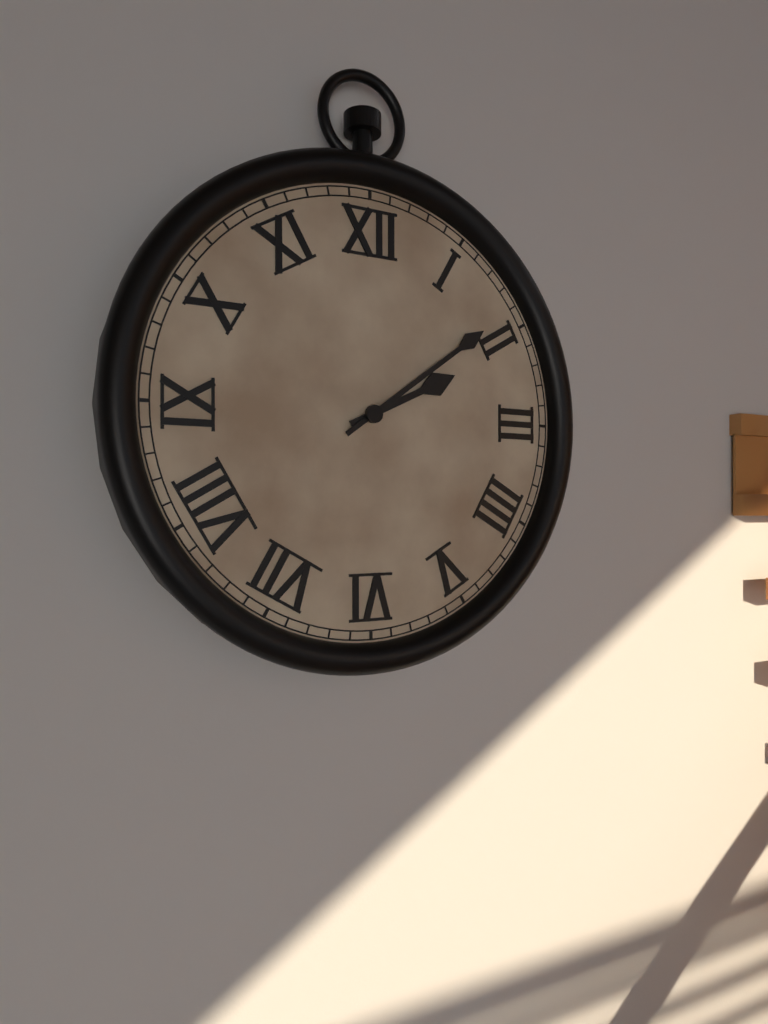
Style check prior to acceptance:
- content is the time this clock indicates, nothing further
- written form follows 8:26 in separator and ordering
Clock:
2:09
